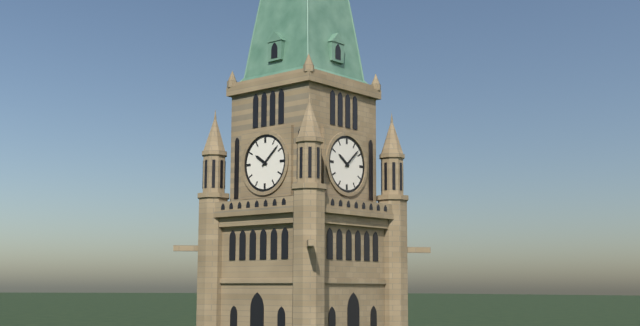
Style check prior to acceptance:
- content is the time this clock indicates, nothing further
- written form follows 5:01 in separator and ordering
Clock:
10:08
